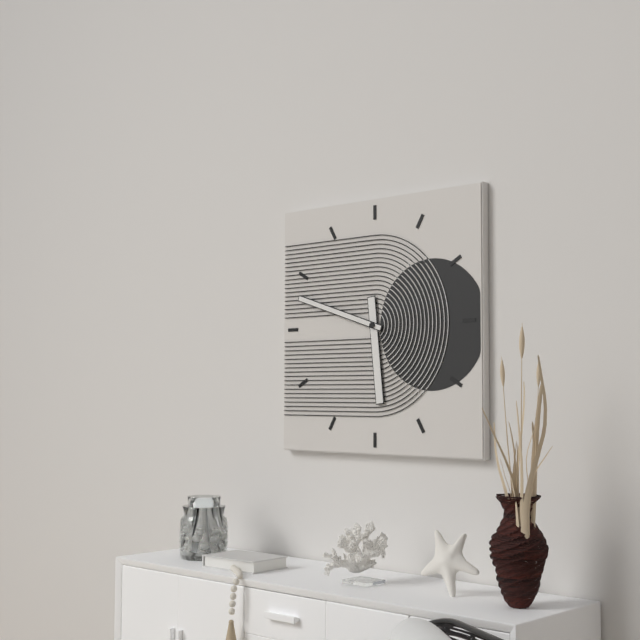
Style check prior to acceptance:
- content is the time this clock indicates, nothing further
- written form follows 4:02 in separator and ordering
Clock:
5:48
